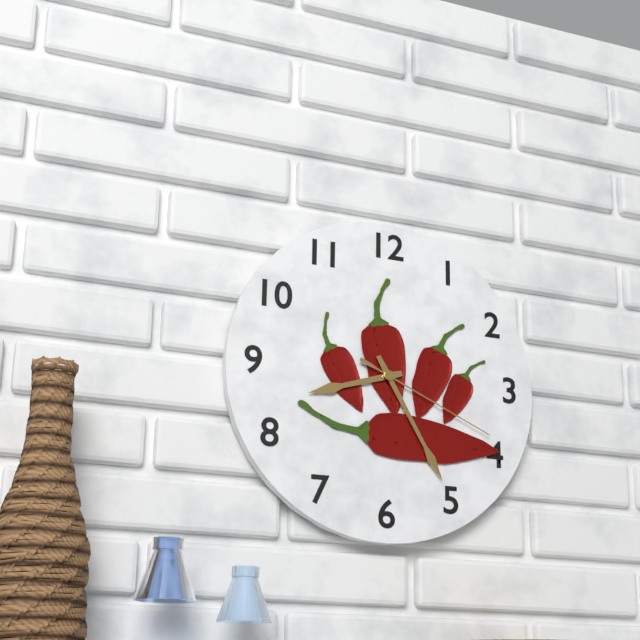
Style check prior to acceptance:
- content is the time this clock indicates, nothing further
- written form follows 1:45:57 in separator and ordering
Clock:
8:25:19
